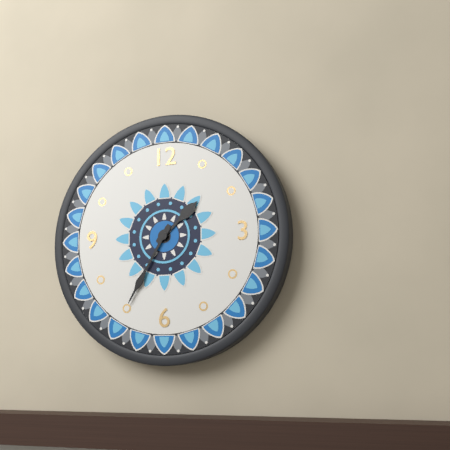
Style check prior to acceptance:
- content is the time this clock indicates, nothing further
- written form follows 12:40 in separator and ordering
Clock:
1:35
